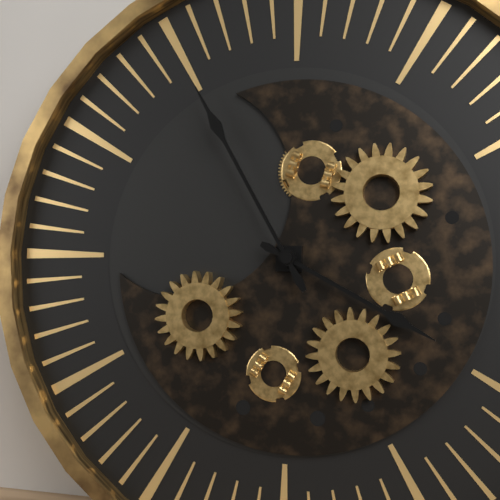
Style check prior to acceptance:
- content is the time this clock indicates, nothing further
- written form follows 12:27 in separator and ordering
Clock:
3:55
